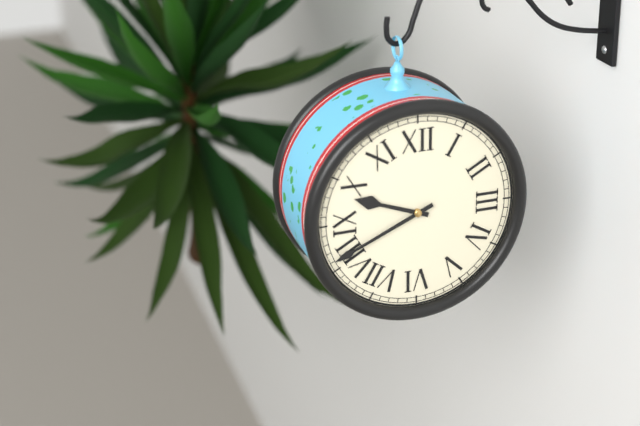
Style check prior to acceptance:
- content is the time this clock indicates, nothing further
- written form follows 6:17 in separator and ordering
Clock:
9:41
